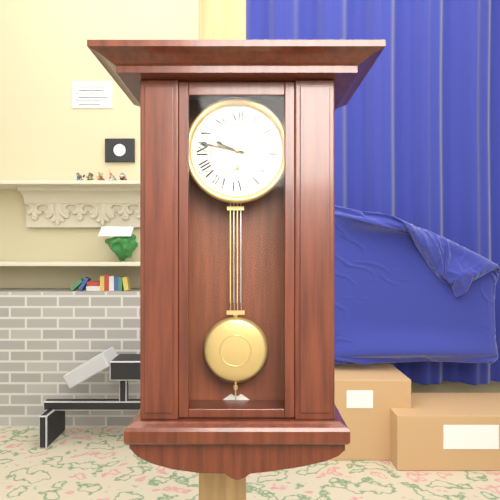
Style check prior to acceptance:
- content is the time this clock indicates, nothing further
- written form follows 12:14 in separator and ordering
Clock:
9:47
